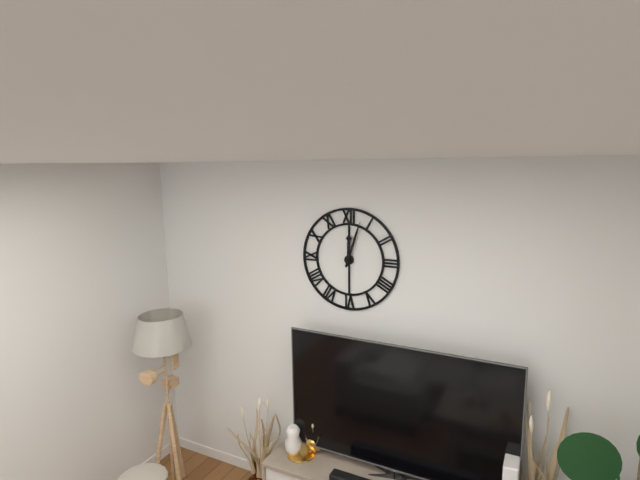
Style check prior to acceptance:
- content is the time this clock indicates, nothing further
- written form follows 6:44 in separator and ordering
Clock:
12:03
